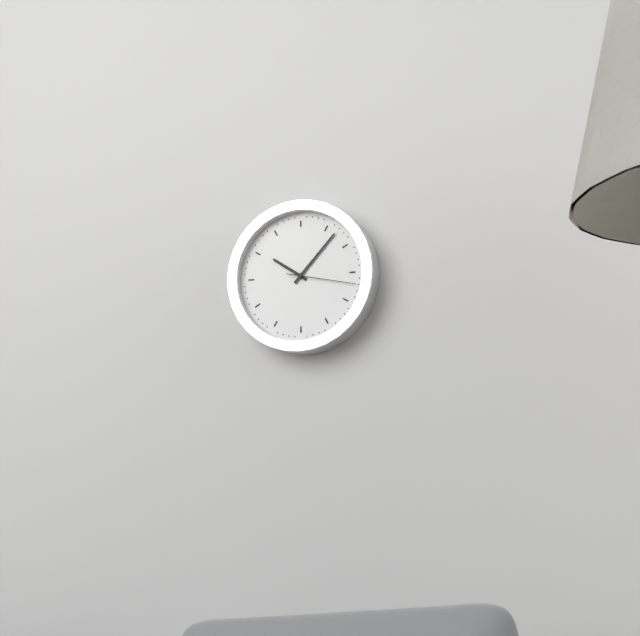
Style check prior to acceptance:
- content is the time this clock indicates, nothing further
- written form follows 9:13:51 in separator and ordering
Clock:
10:07:17
